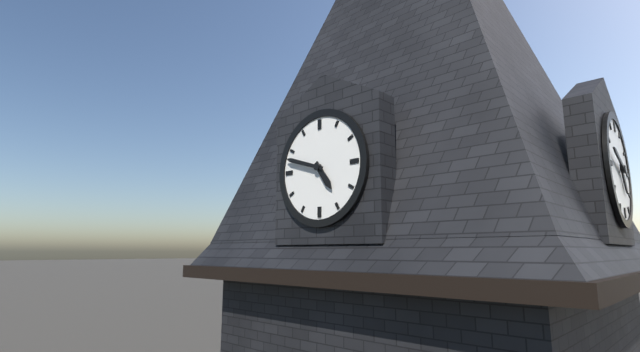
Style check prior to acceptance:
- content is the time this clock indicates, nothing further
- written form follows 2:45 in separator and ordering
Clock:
4:48
